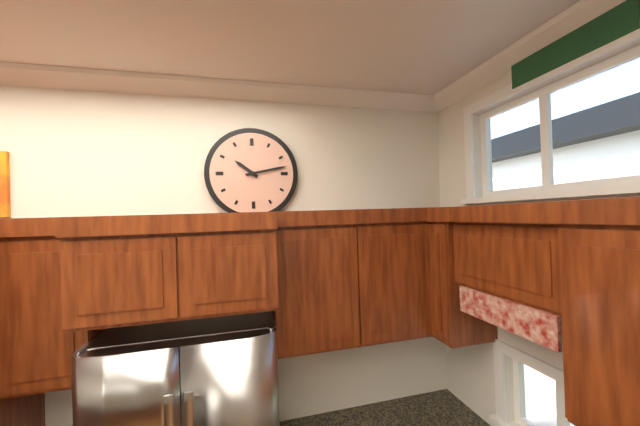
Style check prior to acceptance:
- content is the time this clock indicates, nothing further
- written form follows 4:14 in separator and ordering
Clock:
10:13
